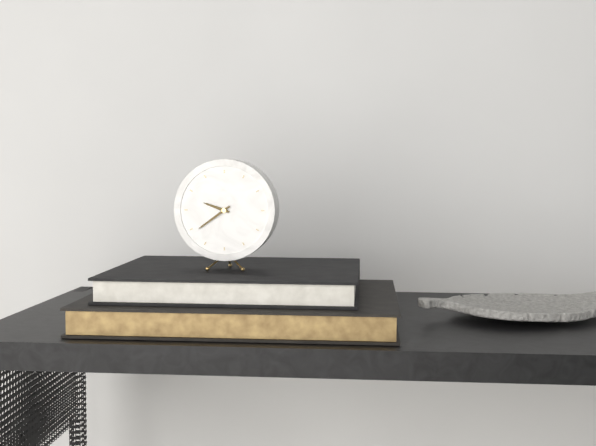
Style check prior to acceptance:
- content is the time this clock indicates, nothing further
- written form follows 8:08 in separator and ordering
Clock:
9:39
